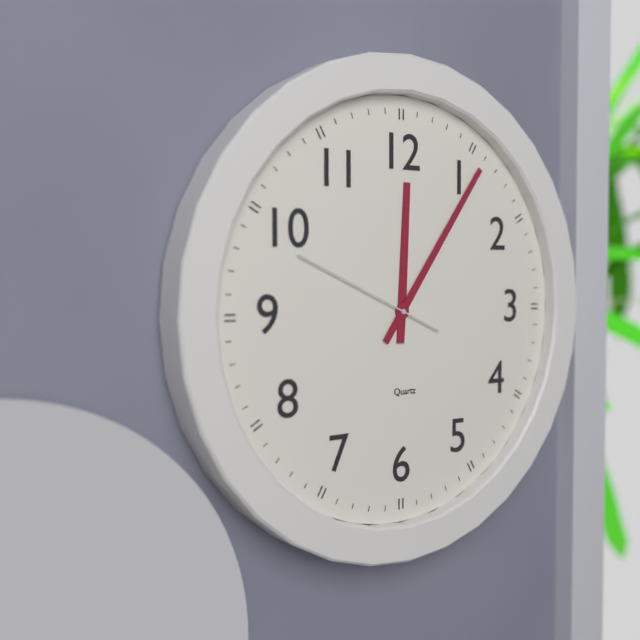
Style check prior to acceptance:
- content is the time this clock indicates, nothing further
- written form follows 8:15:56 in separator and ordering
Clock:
12:06:49
